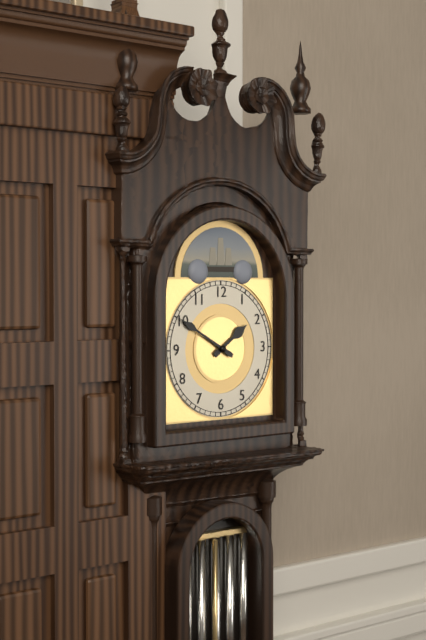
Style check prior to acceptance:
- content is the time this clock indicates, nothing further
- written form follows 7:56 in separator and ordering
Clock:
1:50
